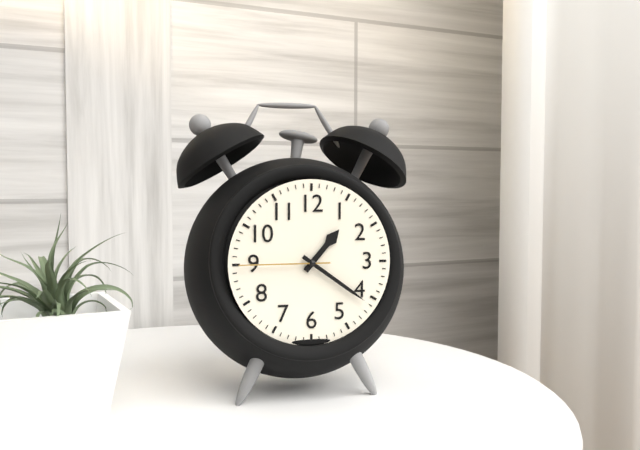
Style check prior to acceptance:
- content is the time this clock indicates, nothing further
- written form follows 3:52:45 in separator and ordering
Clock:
1:21:45
